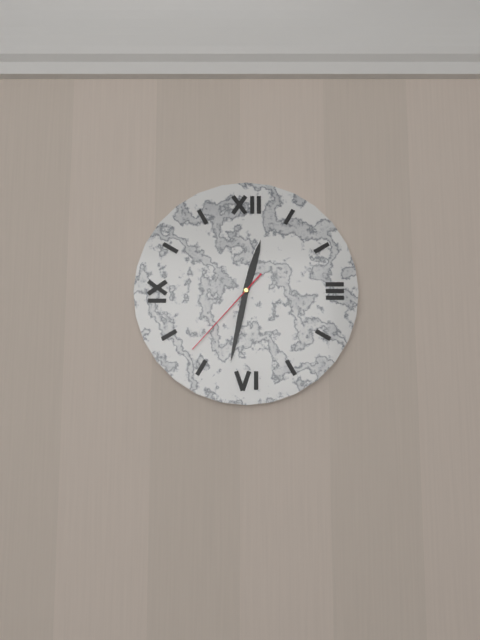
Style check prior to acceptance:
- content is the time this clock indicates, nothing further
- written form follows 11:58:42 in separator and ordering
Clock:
12:32:37
